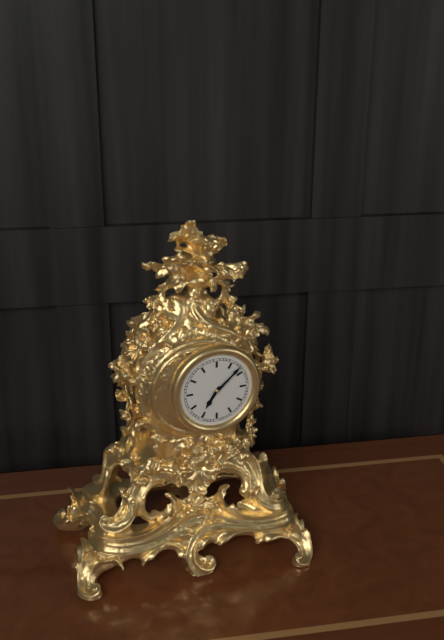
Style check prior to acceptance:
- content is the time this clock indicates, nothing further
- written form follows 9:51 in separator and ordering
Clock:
7:08
